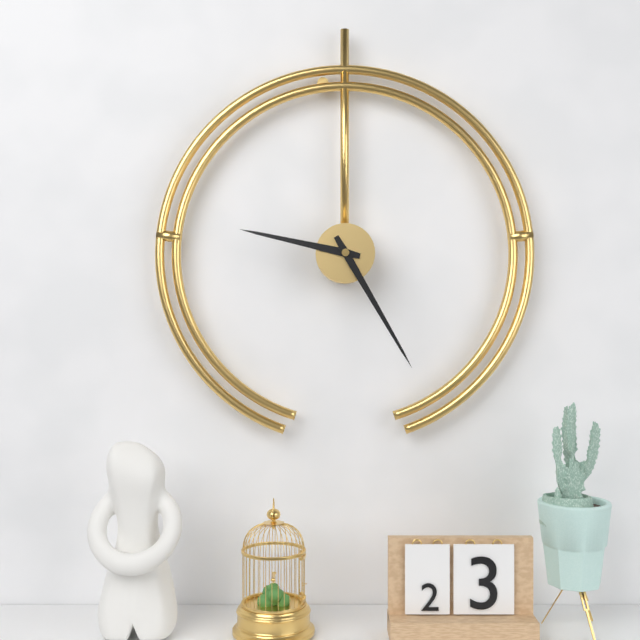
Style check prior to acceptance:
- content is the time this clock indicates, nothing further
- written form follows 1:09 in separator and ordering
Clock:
9:25
